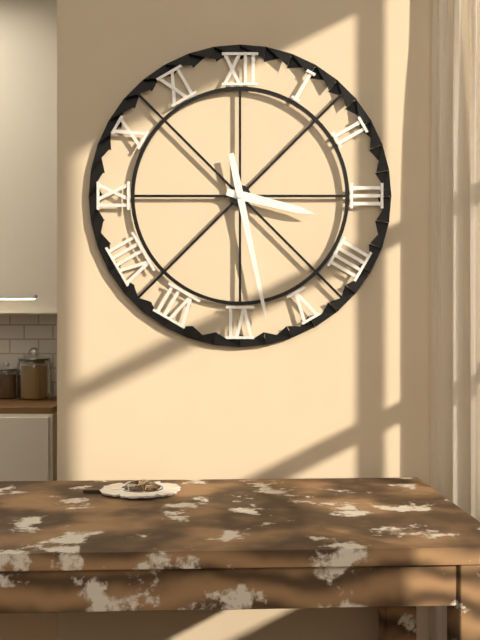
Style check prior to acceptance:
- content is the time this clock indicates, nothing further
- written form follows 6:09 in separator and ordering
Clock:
3:28
